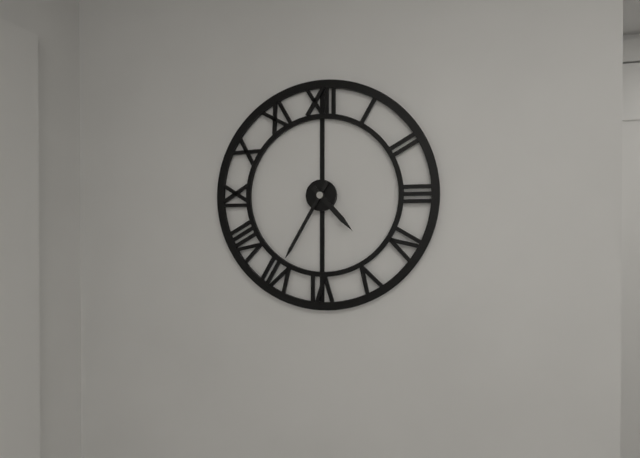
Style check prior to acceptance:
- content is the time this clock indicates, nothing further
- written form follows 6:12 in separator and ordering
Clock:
4:35
